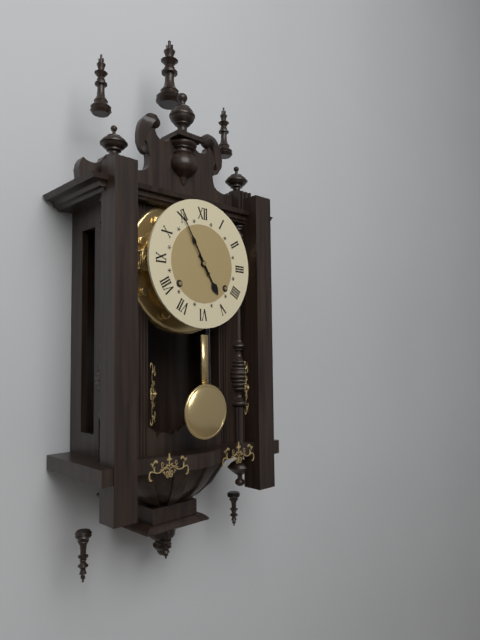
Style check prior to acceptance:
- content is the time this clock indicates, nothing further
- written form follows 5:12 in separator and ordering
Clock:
4:55
